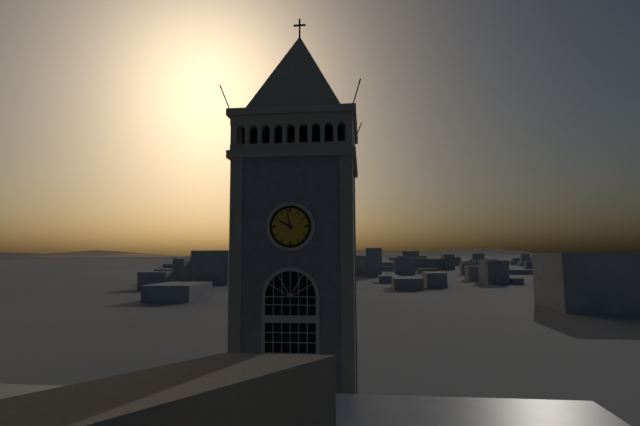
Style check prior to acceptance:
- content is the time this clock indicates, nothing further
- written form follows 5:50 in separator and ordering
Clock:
9:58
